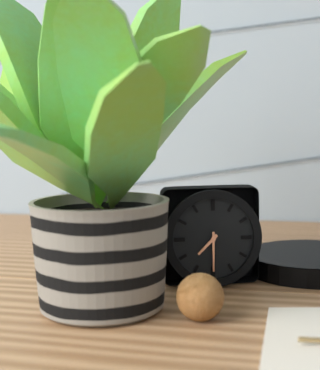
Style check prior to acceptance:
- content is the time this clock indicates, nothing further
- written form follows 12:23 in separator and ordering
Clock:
7:30
